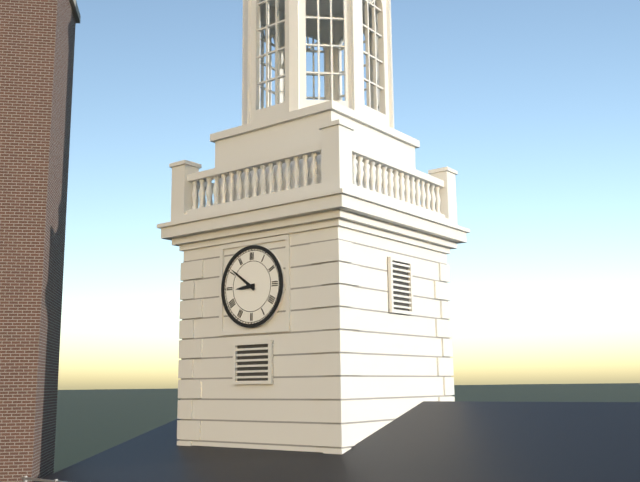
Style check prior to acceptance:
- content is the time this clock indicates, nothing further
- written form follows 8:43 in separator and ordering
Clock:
8:51
